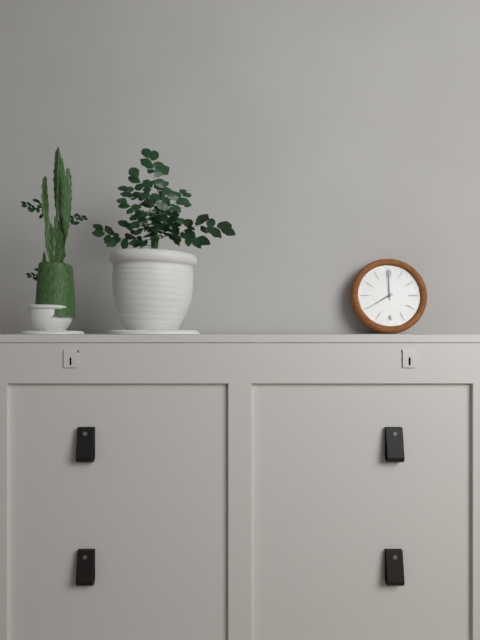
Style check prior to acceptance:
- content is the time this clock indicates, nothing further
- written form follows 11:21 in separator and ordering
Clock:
8:00
